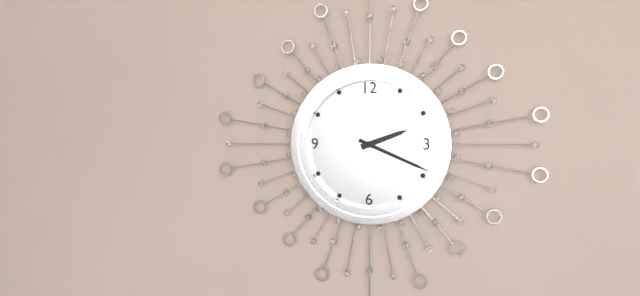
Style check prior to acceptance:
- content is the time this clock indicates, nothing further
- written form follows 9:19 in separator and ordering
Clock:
2:19
